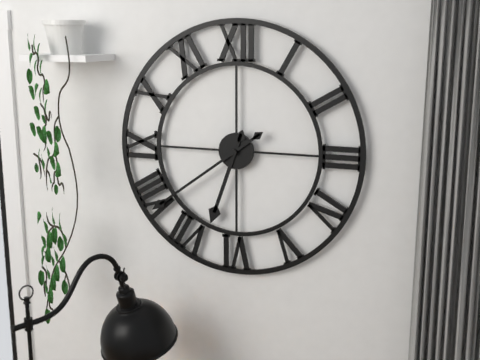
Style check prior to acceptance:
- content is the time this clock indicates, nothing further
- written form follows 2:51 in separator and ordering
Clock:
6:39
